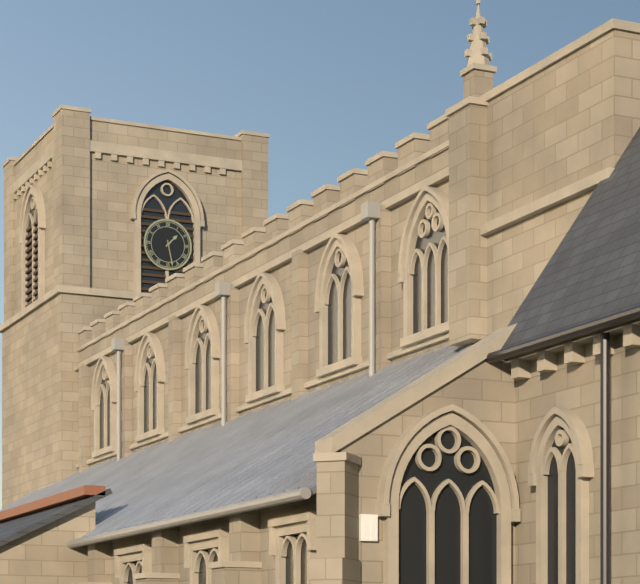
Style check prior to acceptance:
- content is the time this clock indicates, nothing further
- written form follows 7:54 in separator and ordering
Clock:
1:28
